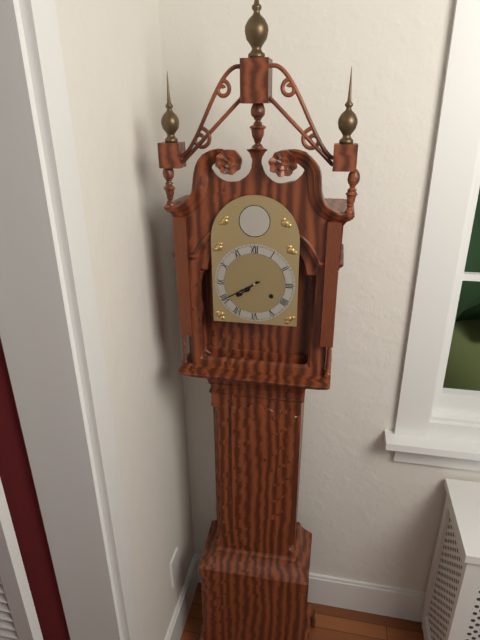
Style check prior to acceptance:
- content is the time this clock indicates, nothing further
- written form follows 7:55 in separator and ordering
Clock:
7:40
